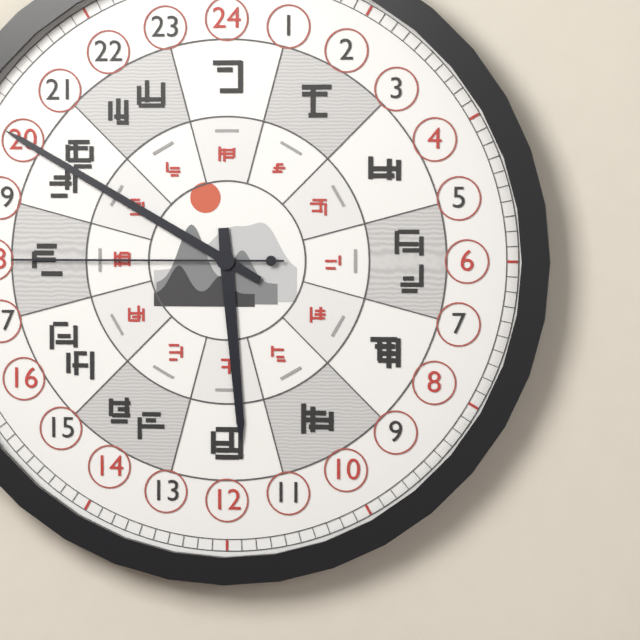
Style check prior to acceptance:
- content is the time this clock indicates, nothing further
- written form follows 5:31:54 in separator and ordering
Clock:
5:50:45
